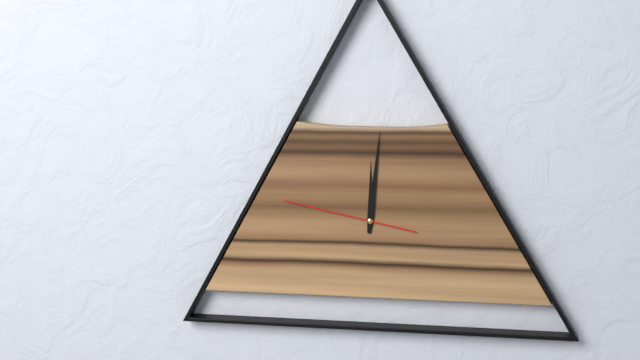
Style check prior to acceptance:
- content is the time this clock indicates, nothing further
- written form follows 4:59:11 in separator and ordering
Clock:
12:01:47
